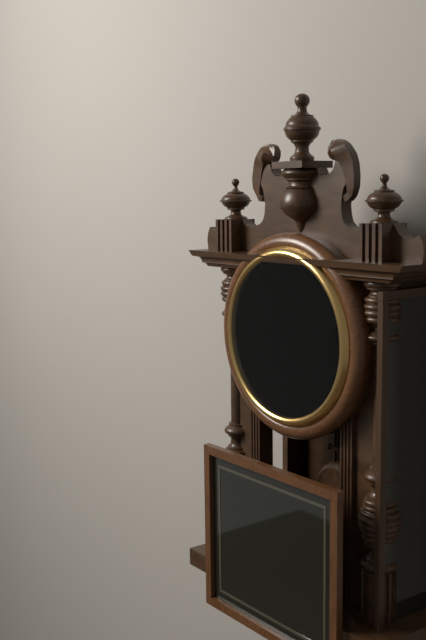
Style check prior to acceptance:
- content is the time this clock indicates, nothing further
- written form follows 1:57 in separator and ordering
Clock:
8:53
